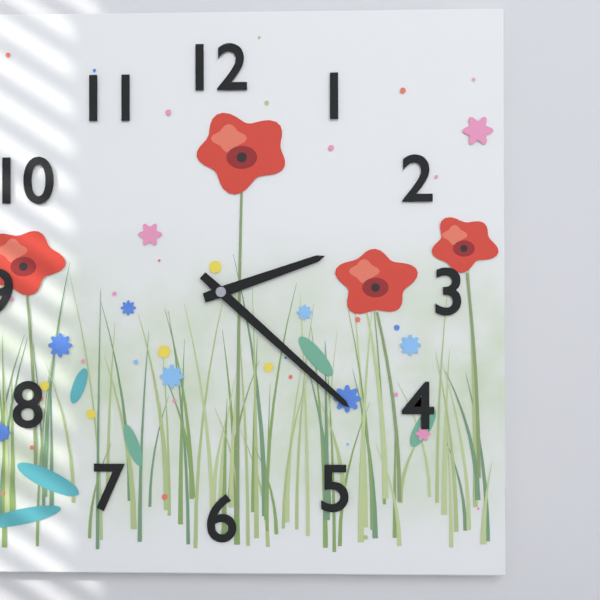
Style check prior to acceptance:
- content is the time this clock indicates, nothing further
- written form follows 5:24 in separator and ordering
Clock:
2:22
